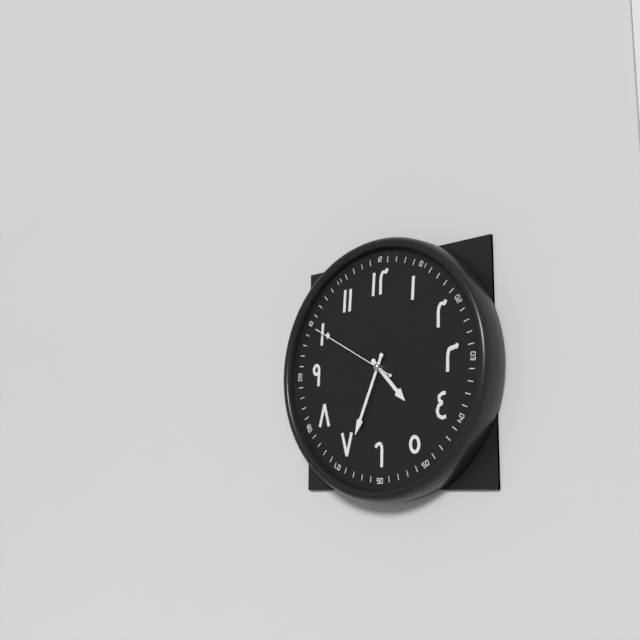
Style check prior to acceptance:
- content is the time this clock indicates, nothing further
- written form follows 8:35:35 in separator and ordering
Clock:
4:34:50
